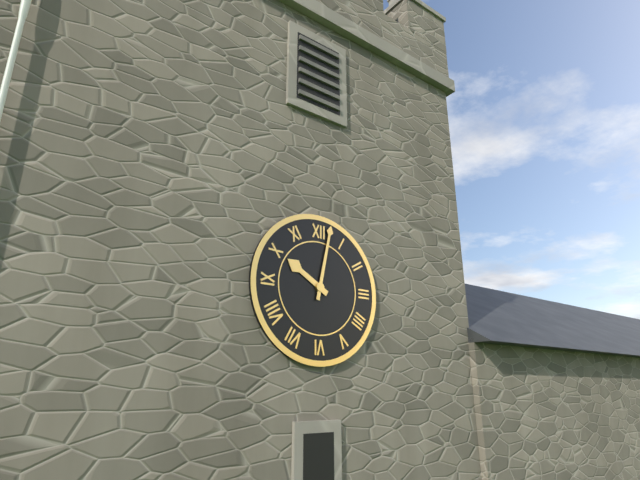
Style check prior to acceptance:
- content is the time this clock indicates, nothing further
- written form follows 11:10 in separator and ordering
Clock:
10:02
